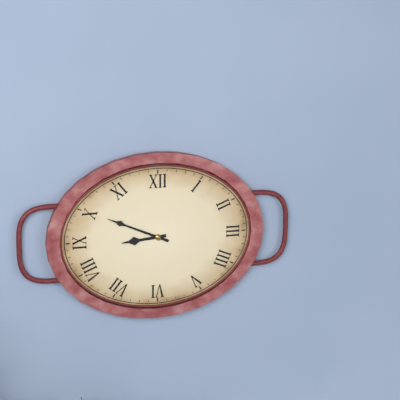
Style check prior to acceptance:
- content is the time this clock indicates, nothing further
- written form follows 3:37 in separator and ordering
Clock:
8:49
